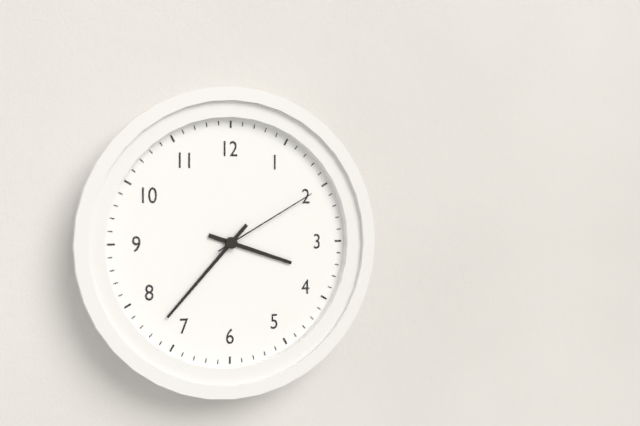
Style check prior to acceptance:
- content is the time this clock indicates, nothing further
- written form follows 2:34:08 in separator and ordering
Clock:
3:37:10
